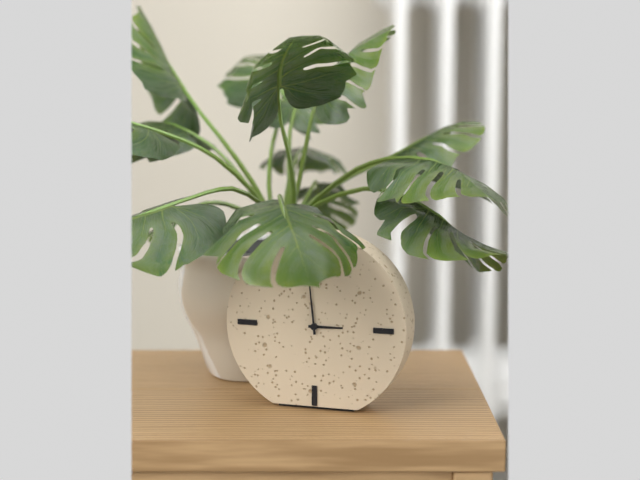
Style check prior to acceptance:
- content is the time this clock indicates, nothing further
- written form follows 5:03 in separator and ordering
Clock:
2:59
